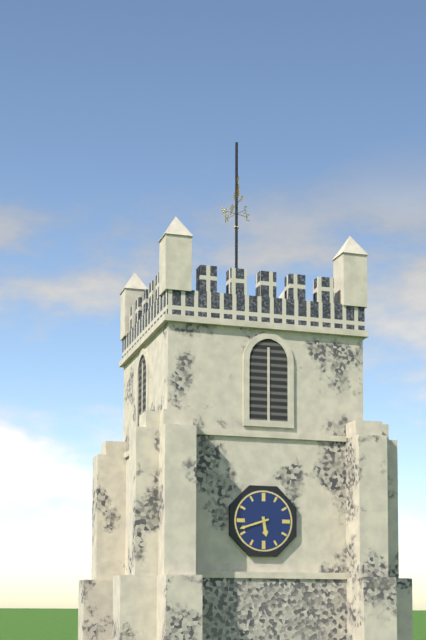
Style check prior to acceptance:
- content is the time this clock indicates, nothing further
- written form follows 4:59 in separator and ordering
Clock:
5:42
